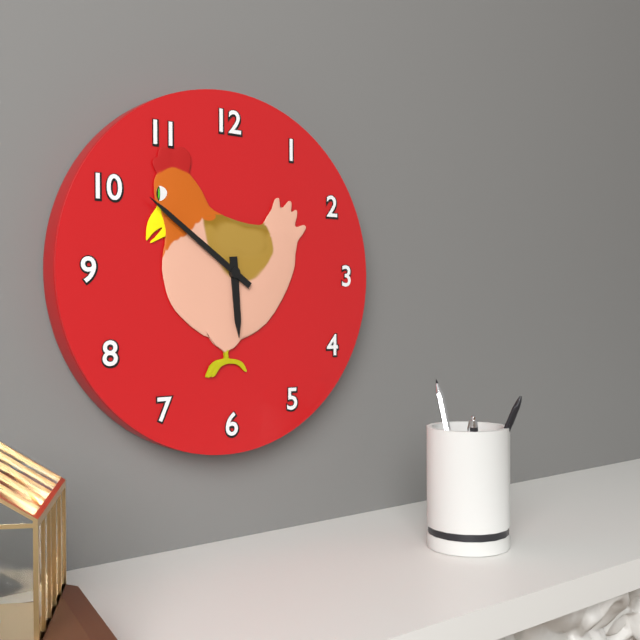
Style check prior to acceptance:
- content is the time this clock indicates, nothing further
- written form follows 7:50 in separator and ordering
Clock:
5:51
